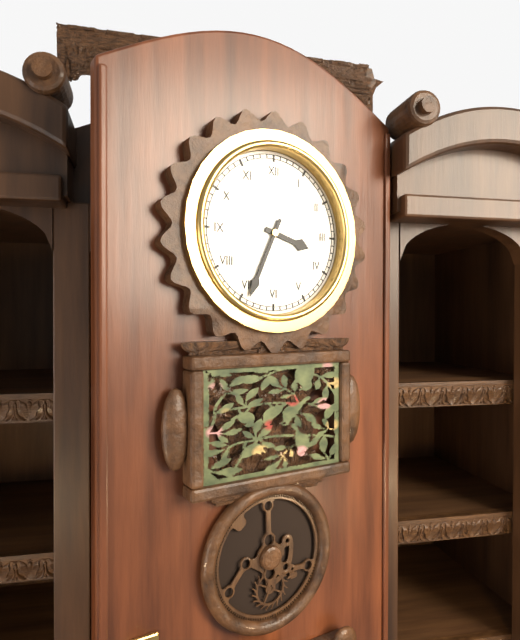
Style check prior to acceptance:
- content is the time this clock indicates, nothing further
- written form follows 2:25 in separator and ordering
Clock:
3:34
